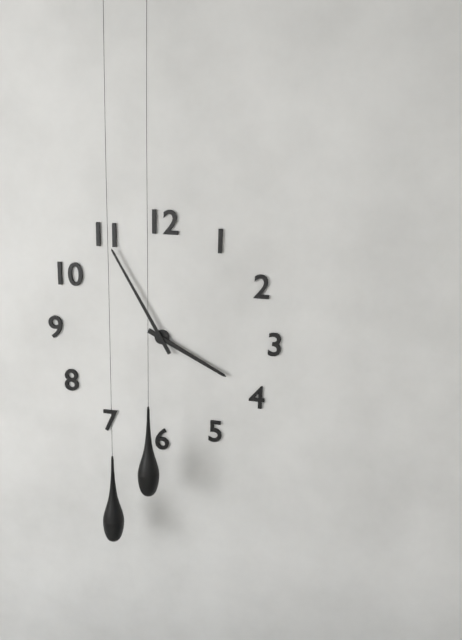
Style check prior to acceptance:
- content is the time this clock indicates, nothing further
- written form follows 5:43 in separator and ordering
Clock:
3:55
